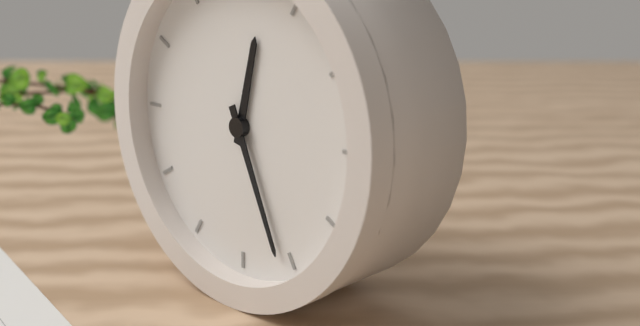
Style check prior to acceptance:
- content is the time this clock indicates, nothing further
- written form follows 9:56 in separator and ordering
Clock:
12:26
